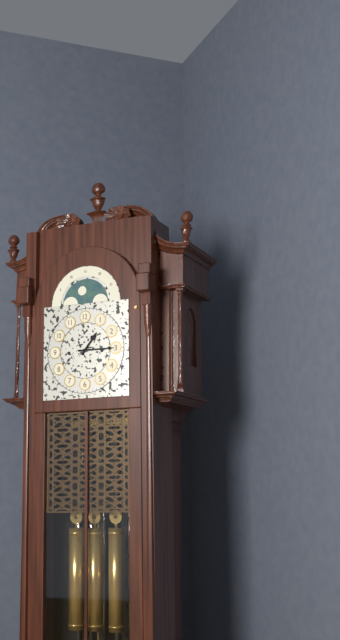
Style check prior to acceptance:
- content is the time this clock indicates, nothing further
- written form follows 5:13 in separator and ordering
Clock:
1:15
